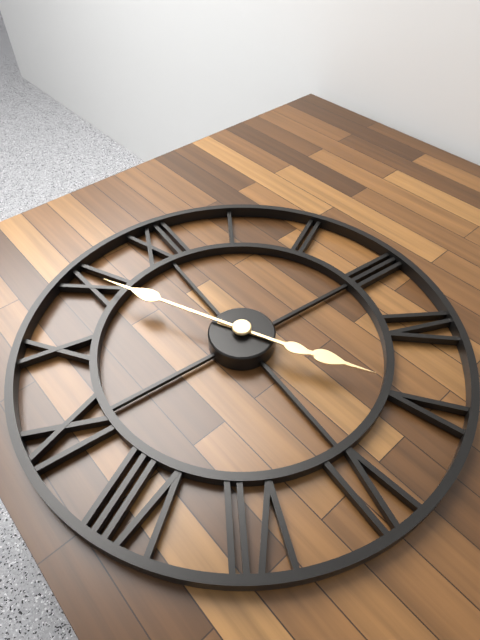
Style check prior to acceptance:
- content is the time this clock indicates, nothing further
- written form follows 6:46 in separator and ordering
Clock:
4:55
